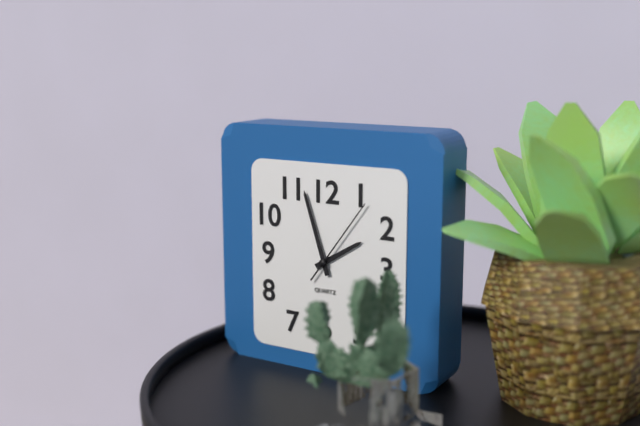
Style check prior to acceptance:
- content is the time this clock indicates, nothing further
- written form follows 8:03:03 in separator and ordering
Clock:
1:57:06
